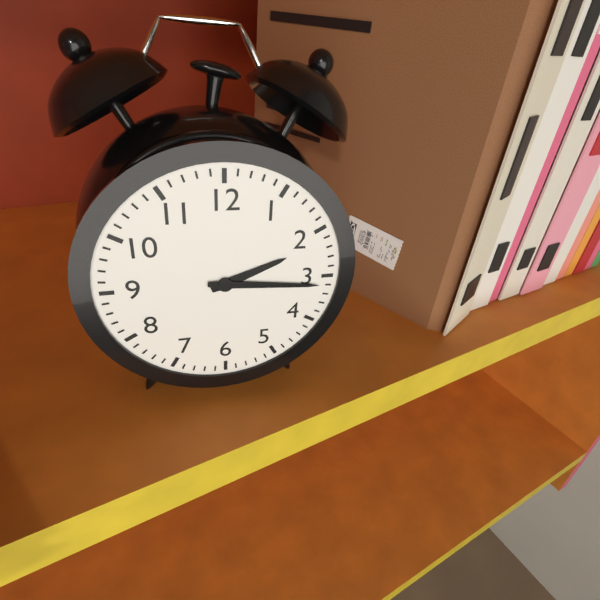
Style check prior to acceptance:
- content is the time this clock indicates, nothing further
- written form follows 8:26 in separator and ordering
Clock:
2:16
